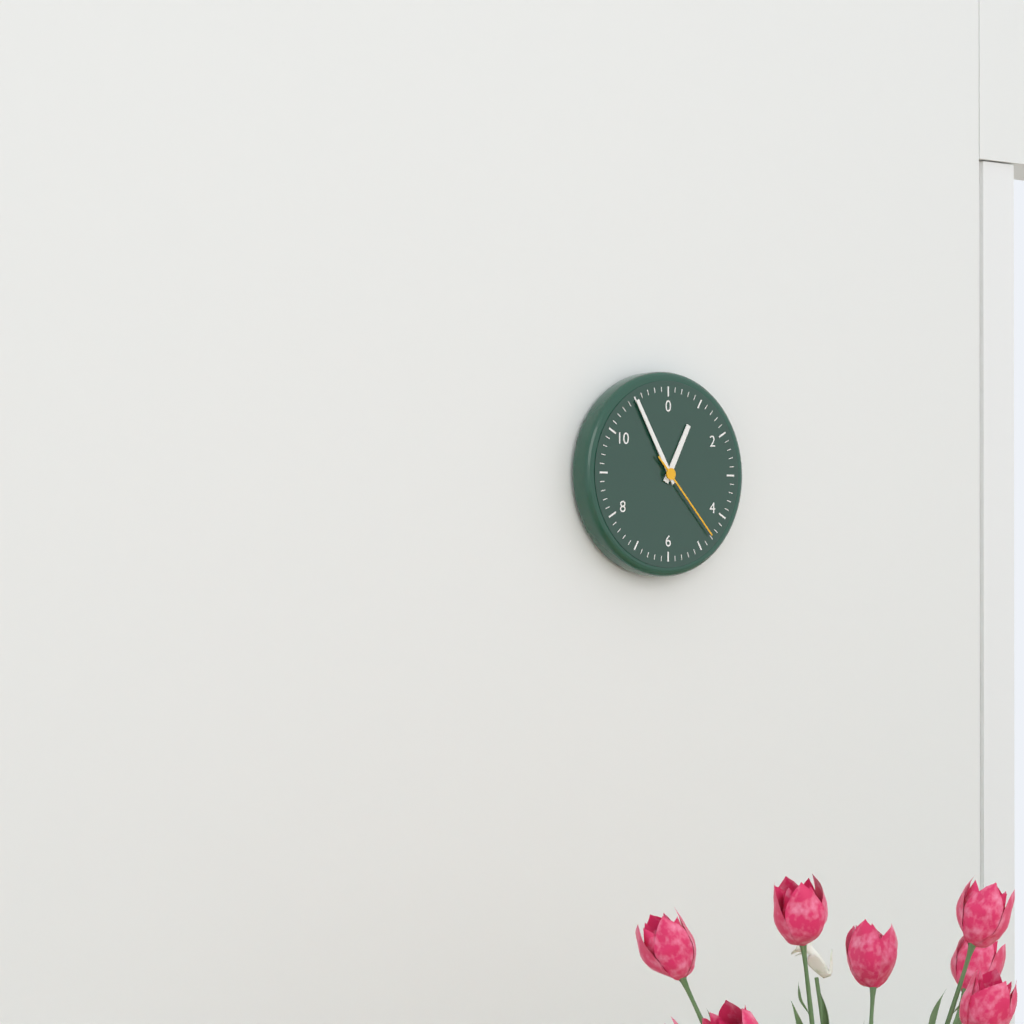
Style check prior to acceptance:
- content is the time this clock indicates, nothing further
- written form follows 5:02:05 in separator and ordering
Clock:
12:55:23
